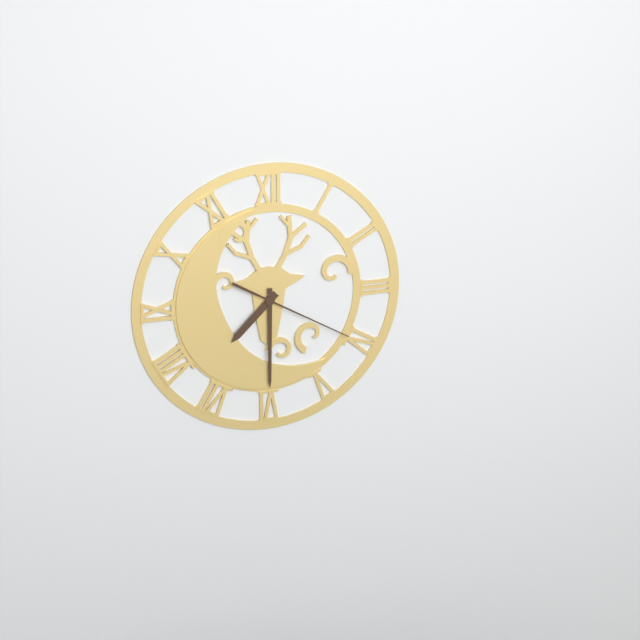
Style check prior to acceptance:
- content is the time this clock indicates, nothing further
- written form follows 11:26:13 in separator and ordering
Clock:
7:30:20
